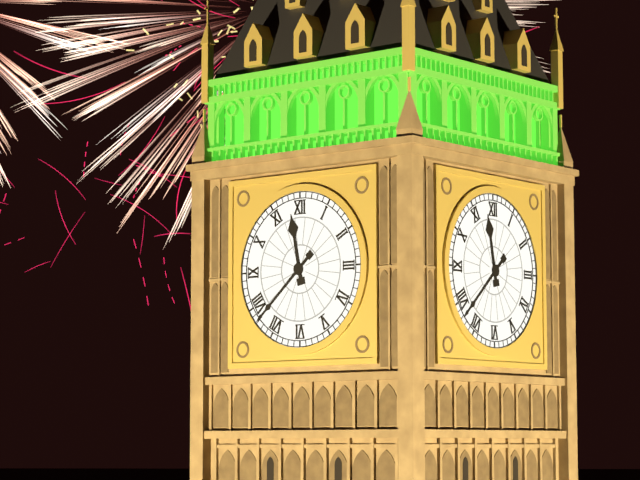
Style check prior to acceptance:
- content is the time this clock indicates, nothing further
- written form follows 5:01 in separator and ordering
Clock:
11:38
